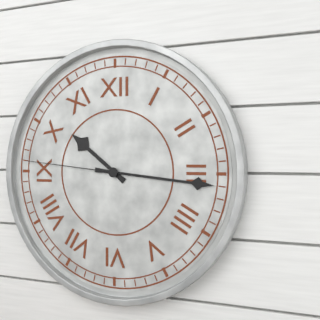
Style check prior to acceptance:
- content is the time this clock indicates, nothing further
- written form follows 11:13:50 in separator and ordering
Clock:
10:16:46
